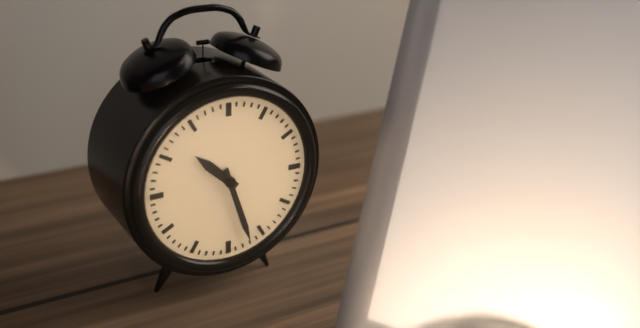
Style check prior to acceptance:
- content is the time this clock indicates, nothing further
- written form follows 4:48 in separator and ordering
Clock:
10:27
